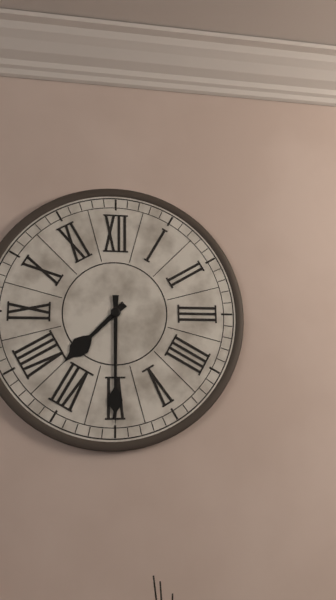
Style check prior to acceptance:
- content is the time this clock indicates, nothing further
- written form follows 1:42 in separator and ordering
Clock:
7:30
